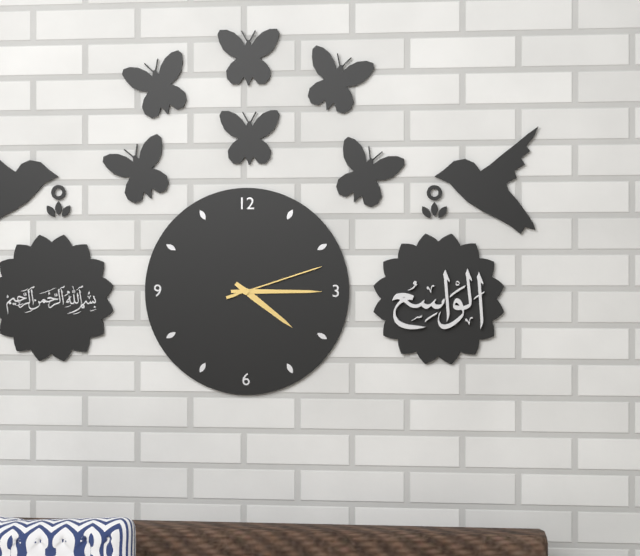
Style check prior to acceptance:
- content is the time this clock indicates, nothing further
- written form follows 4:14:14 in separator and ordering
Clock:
4:15:12
